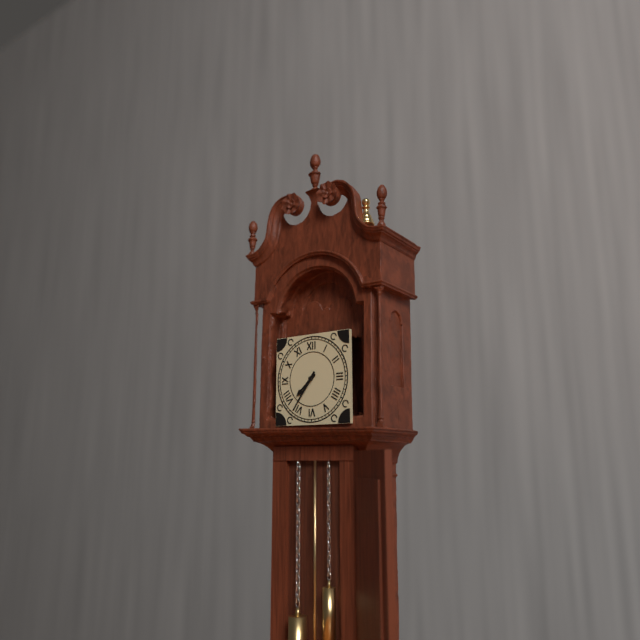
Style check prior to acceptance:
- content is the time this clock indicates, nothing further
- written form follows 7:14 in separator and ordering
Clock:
7:36
